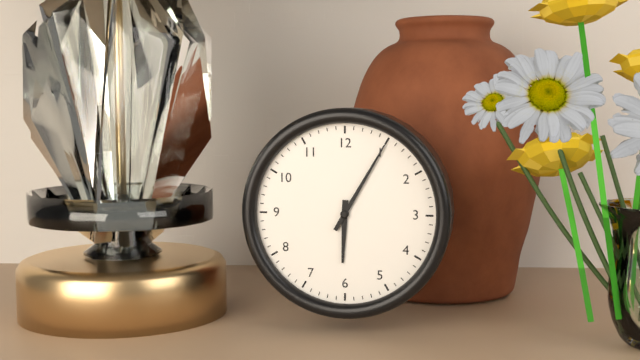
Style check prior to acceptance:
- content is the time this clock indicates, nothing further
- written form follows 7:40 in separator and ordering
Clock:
6:05
